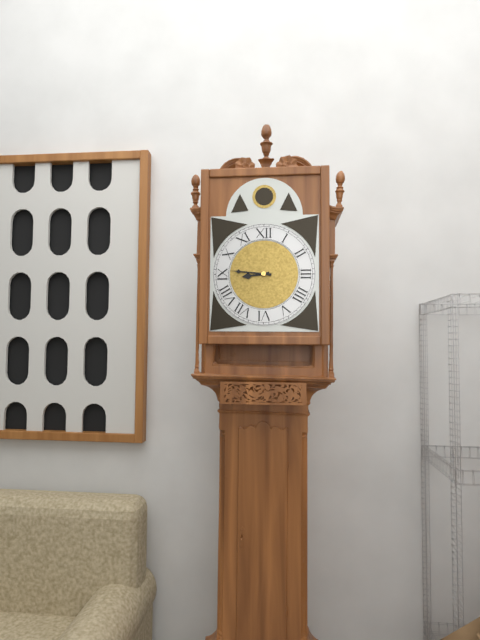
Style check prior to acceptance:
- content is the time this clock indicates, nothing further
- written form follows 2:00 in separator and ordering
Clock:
8:46
